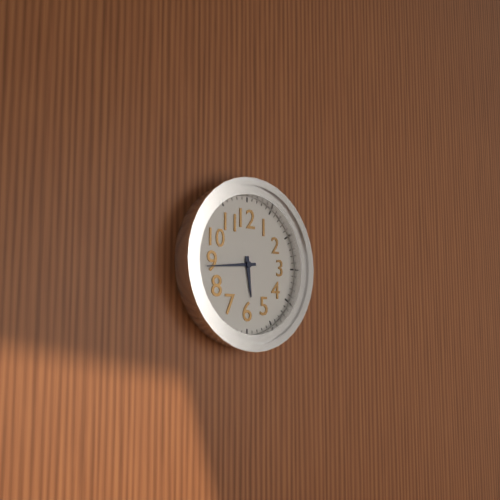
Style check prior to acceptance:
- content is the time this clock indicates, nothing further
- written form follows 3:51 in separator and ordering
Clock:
5:44
